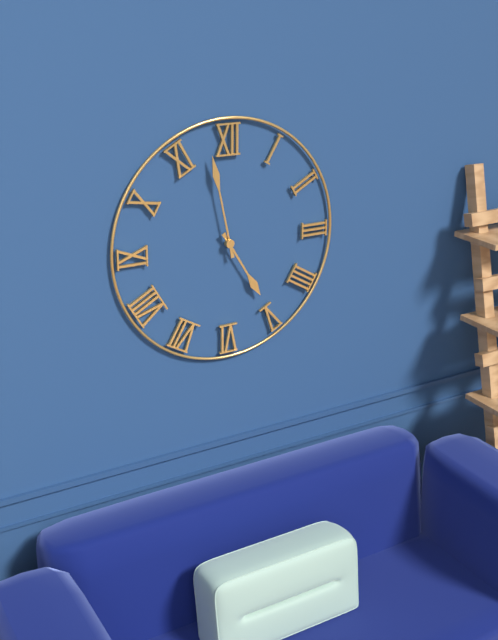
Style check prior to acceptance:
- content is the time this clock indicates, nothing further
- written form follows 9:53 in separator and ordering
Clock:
4:58
